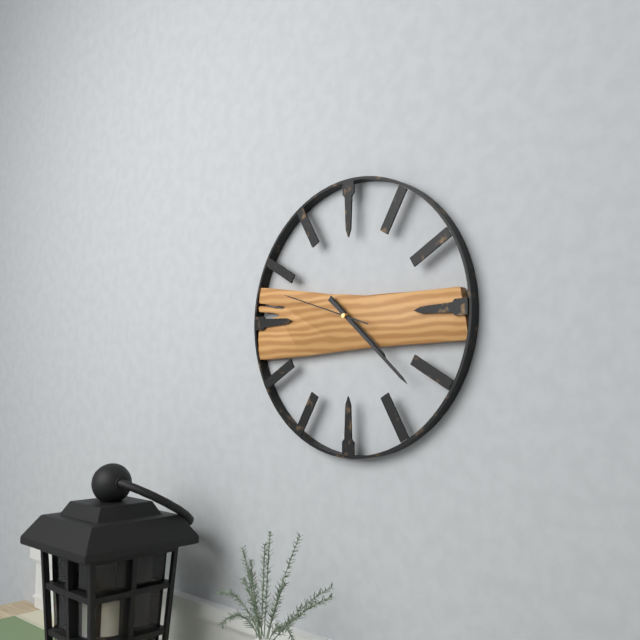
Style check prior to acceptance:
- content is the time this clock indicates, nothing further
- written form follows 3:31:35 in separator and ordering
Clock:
4:22:48
